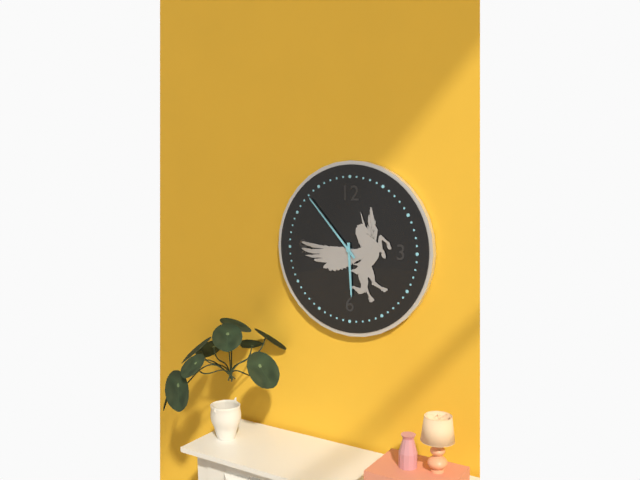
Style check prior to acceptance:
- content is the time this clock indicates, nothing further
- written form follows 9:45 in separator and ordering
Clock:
5:53
